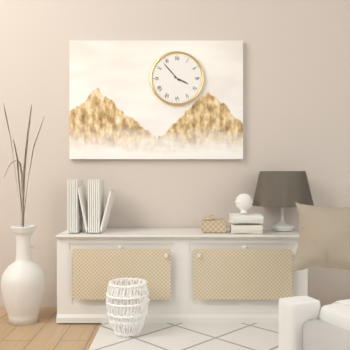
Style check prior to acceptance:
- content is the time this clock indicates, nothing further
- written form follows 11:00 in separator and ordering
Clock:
3:53
